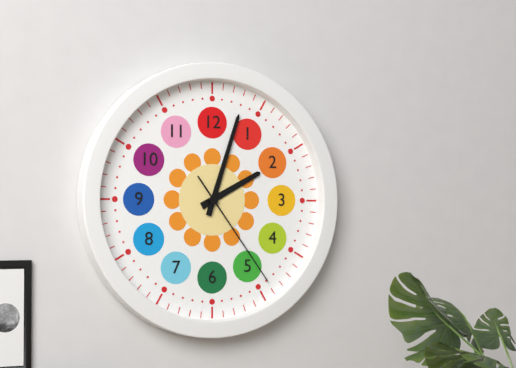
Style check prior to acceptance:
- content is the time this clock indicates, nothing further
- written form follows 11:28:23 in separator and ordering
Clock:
2:03:24
